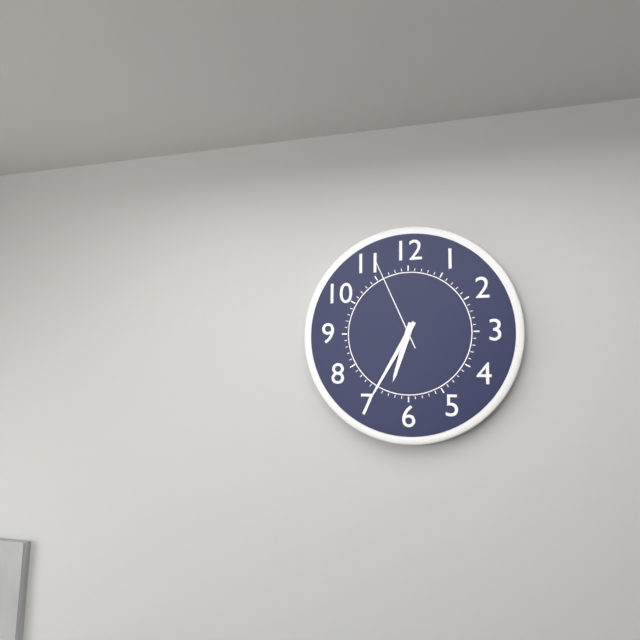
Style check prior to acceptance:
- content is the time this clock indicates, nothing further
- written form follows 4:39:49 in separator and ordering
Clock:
6:35:56
